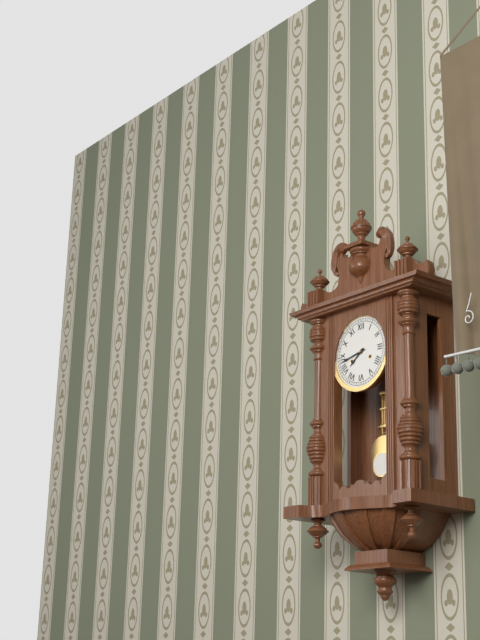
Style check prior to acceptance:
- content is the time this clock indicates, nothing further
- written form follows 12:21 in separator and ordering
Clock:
7:43
